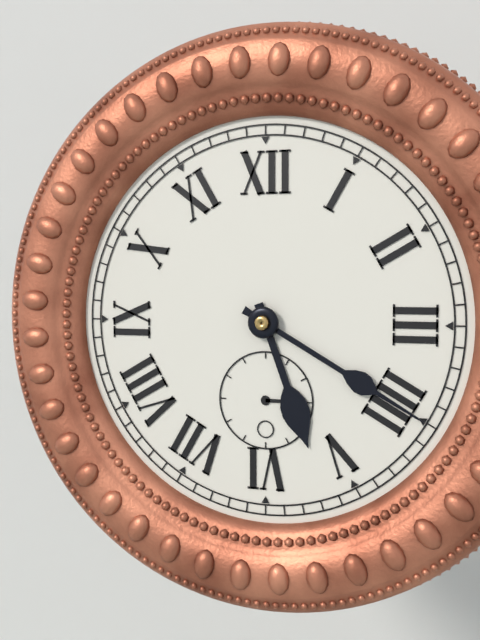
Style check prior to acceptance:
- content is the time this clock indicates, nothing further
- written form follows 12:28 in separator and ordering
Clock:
5:20
